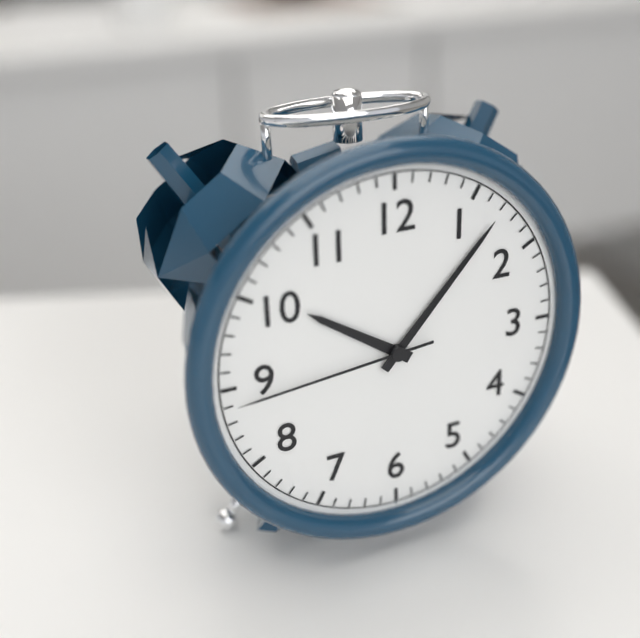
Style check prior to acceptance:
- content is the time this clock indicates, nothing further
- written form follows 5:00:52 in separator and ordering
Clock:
10:07:44
